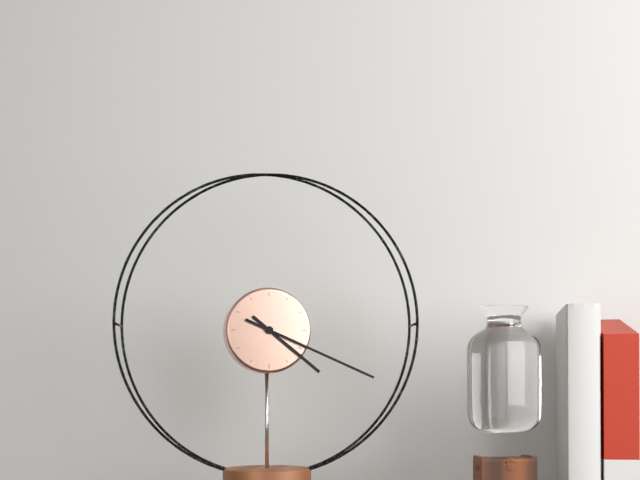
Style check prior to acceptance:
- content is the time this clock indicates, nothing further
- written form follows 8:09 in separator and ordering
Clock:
4:19
